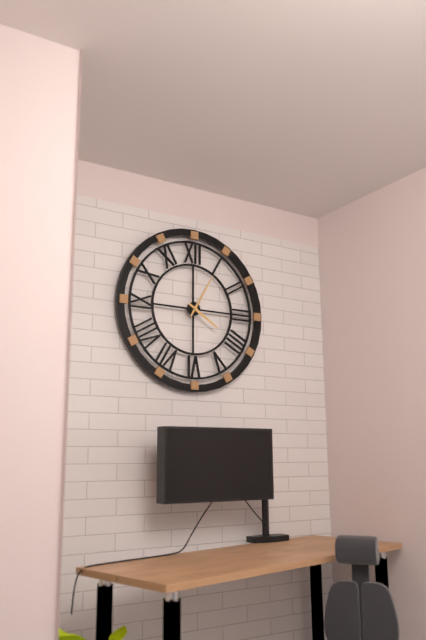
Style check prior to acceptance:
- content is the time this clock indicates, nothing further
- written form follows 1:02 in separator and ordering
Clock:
4:05
